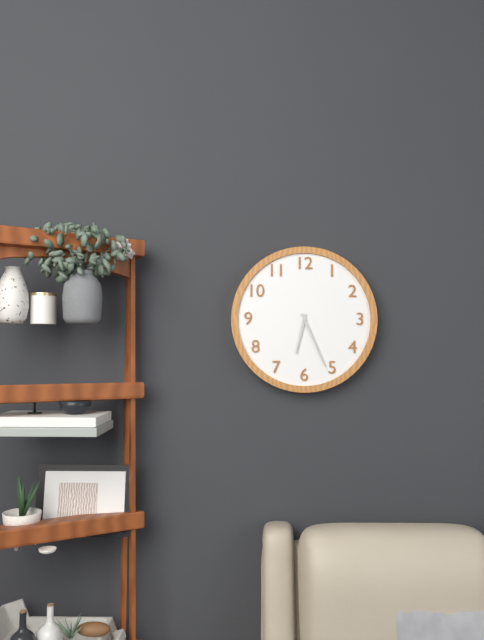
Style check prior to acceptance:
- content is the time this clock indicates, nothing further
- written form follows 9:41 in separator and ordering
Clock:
6:26
